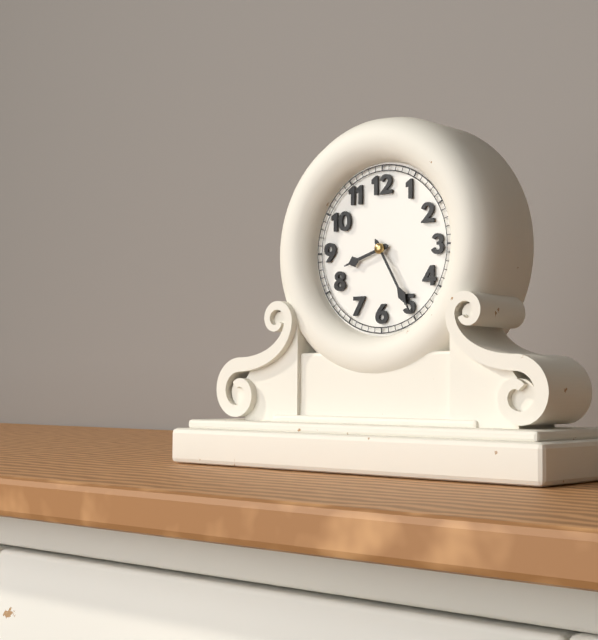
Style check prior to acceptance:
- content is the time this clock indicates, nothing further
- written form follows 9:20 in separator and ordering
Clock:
8:25
